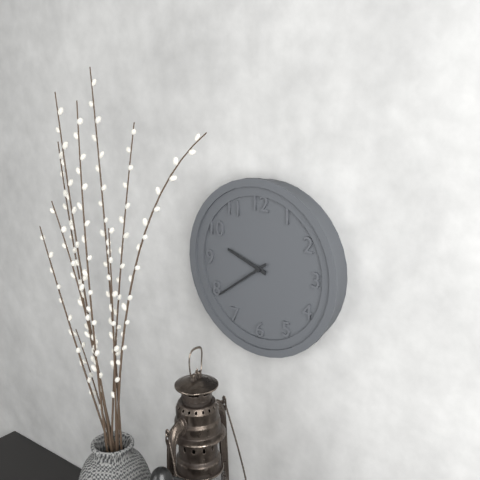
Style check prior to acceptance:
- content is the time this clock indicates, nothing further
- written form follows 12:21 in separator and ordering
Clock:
9:39
